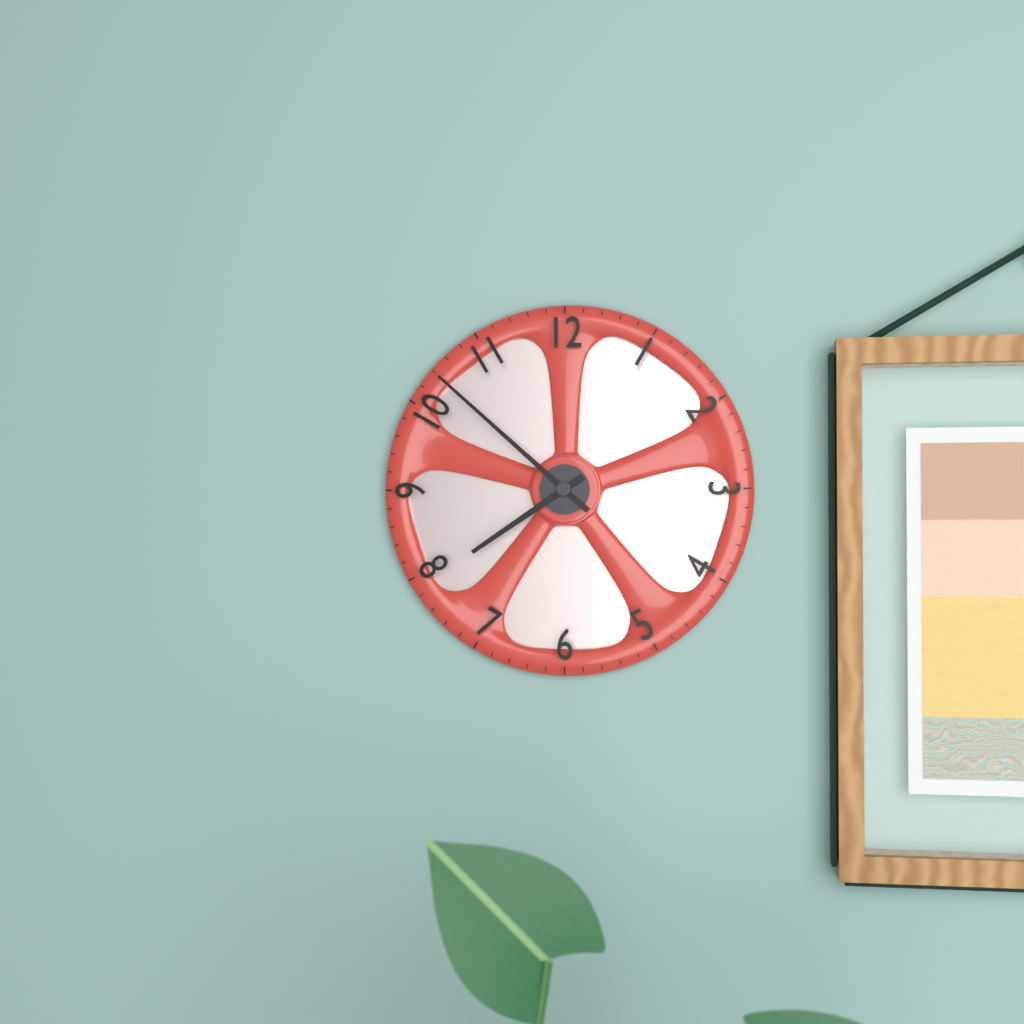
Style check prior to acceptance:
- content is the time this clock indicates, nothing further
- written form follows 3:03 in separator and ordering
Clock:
7:52
